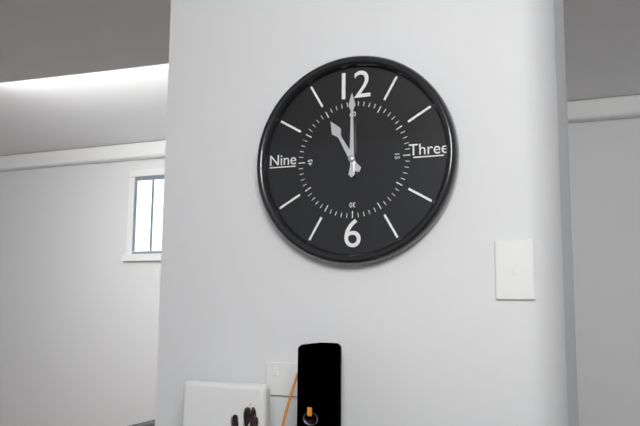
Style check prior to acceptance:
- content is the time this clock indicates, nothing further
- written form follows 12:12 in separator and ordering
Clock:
11:00
